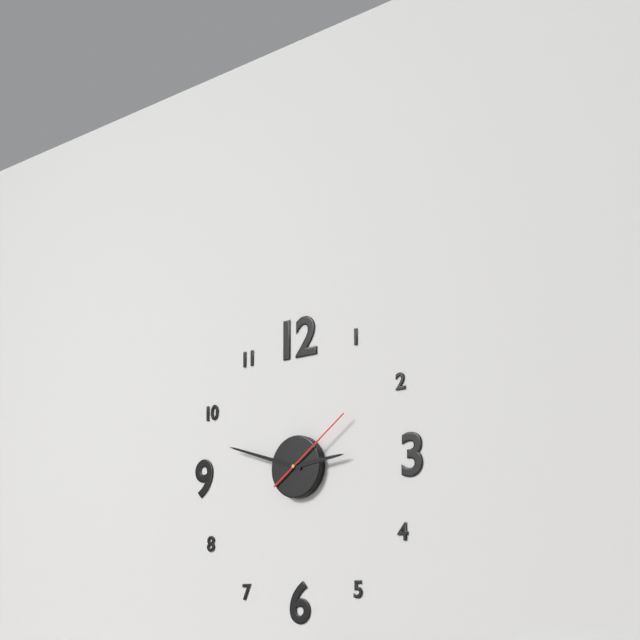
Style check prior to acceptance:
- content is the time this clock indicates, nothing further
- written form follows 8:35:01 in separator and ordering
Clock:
2:48:09
